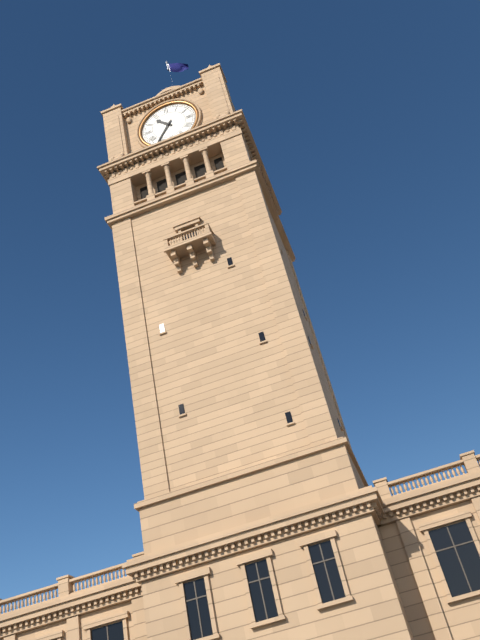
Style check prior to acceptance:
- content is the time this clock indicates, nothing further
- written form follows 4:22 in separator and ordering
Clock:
10:36
